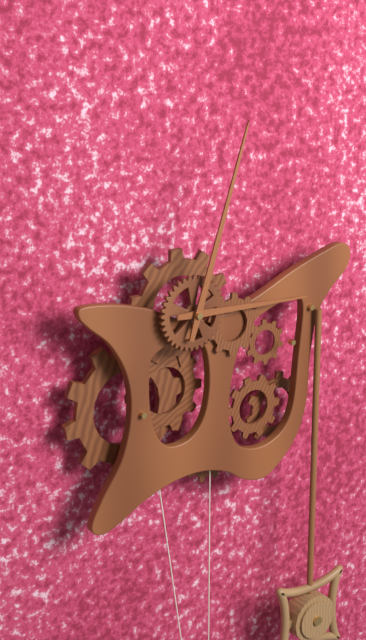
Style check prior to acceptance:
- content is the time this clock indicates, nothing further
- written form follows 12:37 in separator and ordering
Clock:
3:03
